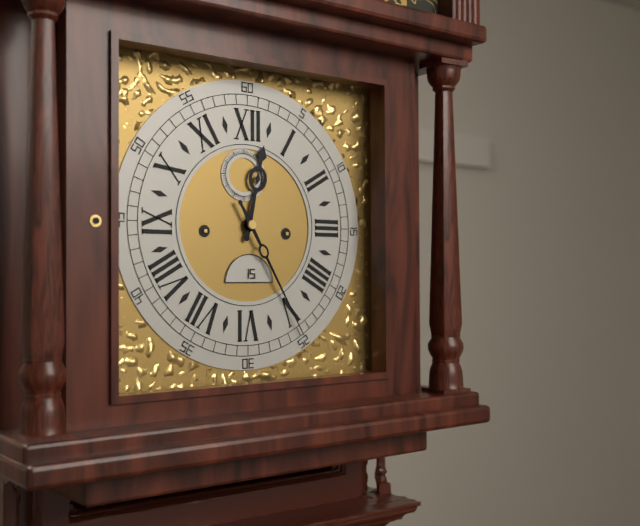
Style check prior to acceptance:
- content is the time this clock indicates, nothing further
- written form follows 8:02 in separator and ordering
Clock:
12:25
